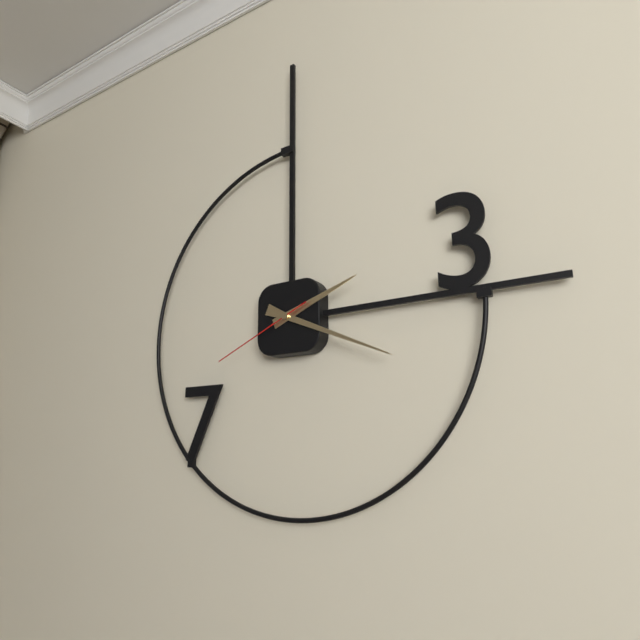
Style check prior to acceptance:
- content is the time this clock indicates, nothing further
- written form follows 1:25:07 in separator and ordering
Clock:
2:19:41
